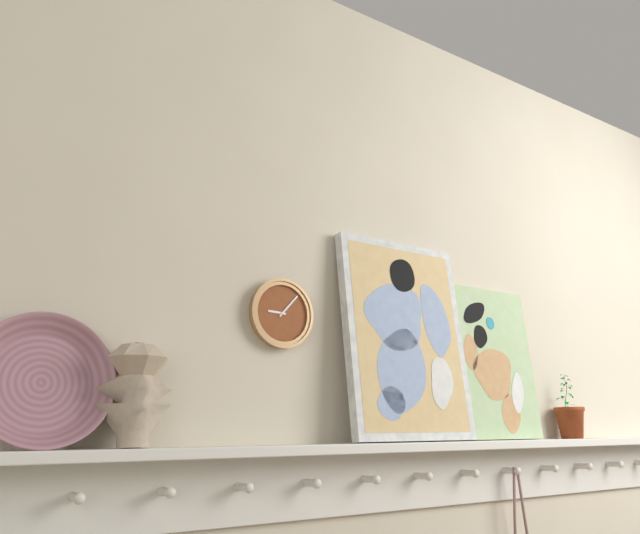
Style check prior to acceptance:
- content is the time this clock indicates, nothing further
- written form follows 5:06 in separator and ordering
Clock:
9:07
